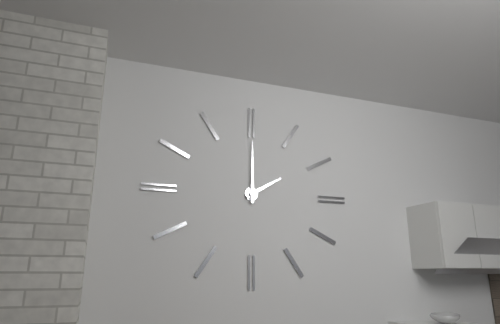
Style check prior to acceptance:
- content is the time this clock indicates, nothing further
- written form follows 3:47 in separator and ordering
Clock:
2:00
